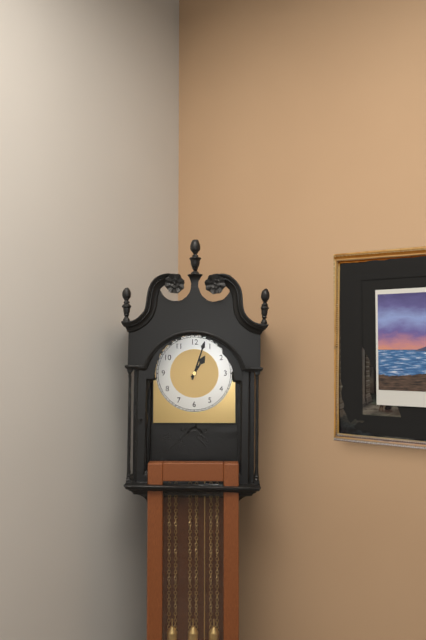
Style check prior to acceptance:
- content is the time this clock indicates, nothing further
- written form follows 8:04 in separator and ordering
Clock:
1:03
